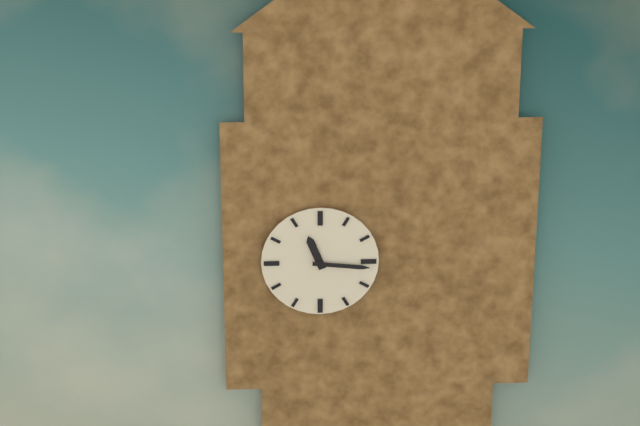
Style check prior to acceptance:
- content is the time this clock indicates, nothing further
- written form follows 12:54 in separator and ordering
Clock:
11:16
